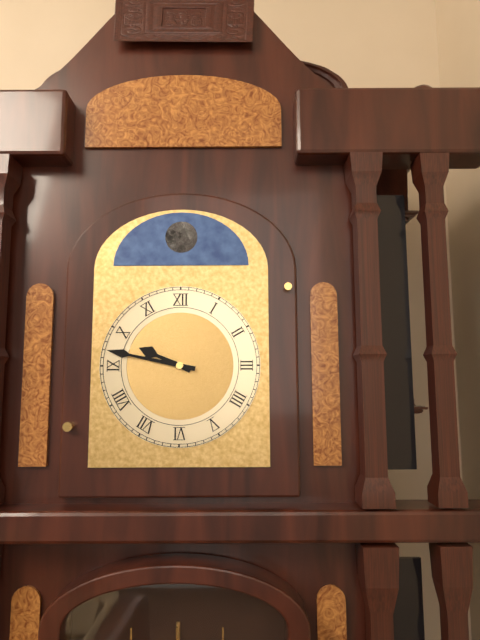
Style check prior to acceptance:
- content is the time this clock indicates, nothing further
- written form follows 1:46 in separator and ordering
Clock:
9:47
